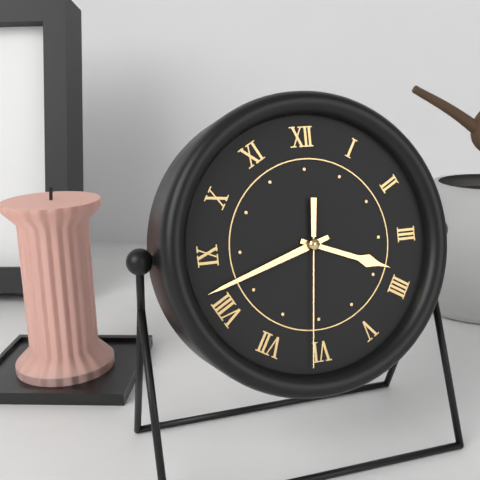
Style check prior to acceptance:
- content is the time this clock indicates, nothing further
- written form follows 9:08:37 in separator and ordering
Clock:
3:42:31
